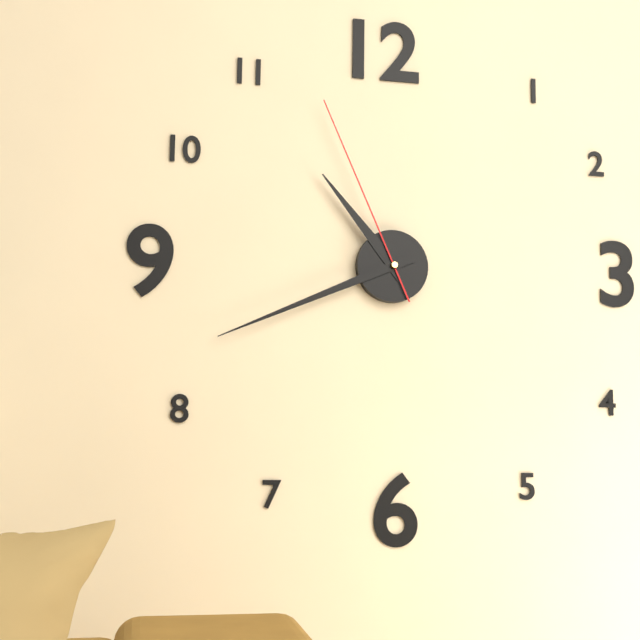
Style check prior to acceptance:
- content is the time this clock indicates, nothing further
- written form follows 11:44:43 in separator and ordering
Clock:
10:41:56
